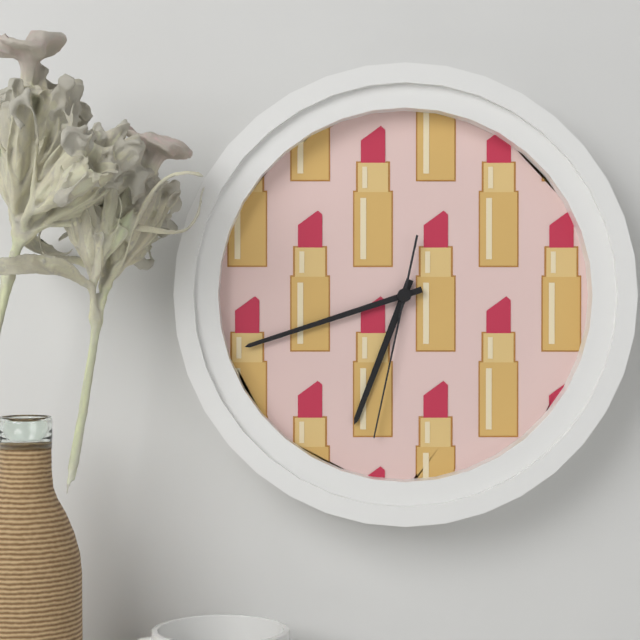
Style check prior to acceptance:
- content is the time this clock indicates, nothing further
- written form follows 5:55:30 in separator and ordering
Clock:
6:42:32
